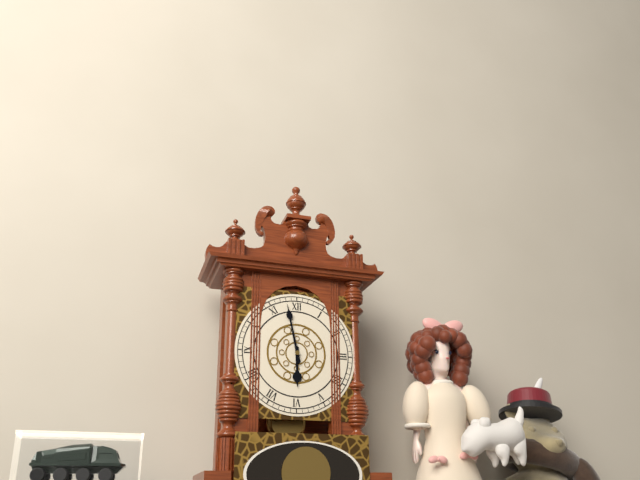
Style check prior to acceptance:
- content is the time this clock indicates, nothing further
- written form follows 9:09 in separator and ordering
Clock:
5:58
